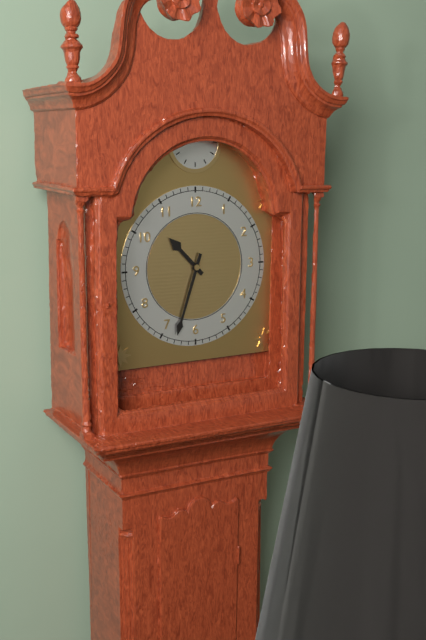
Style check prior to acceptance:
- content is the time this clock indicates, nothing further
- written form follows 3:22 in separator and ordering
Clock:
10:33
